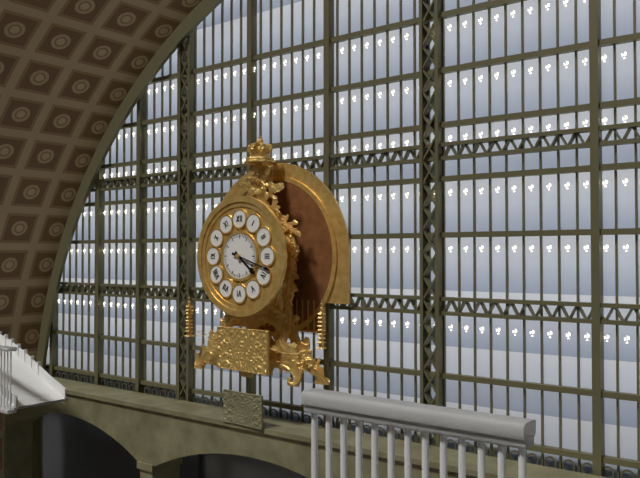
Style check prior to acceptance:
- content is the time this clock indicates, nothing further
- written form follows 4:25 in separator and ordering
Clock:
4:18
